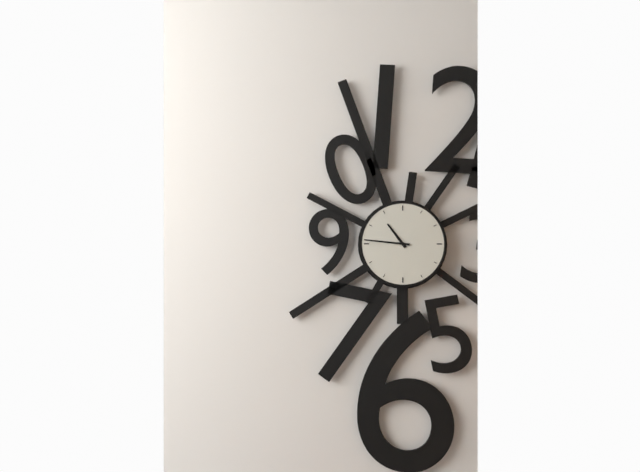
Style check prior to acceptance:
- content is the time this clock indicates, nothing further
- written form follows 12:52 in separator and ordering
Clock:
10:46
